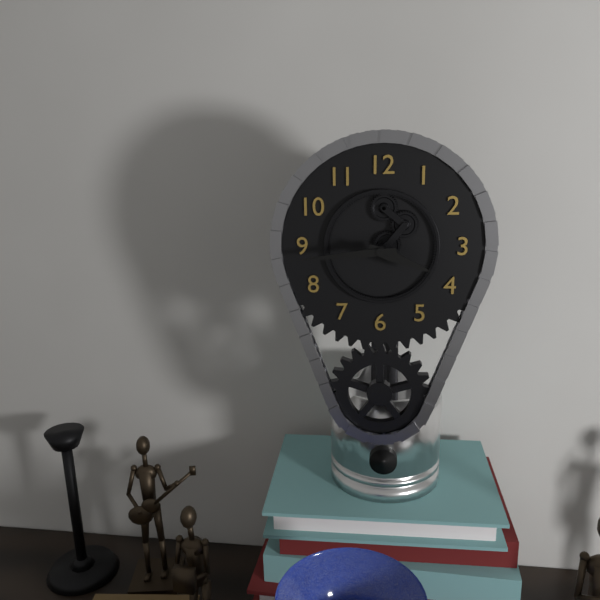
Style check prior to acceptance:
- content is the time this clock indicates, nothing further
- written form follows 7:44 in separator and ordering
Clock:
3:44
